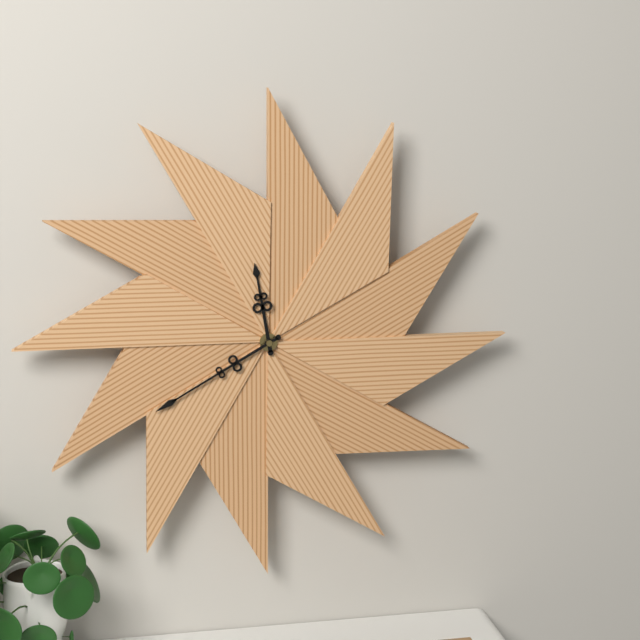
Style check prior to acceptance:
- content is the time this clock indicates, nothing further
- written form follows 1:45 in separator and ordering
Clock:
11:40
